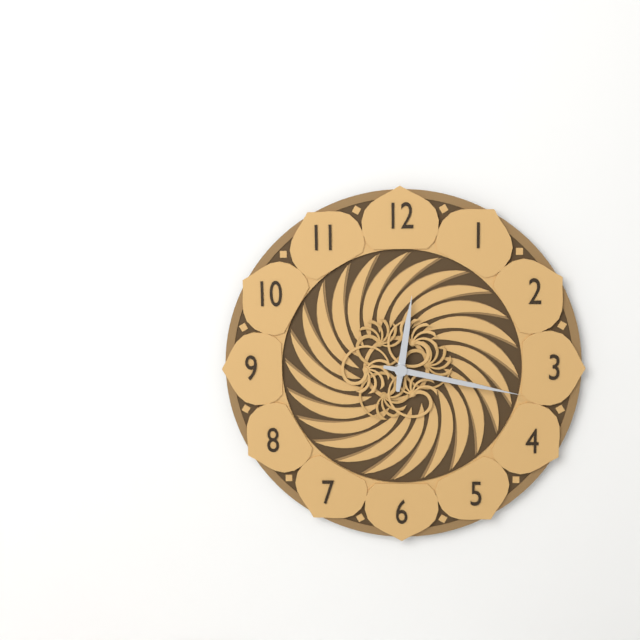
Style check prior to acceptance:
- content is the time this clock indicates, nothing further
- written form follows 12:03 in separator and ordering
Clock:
12:17
